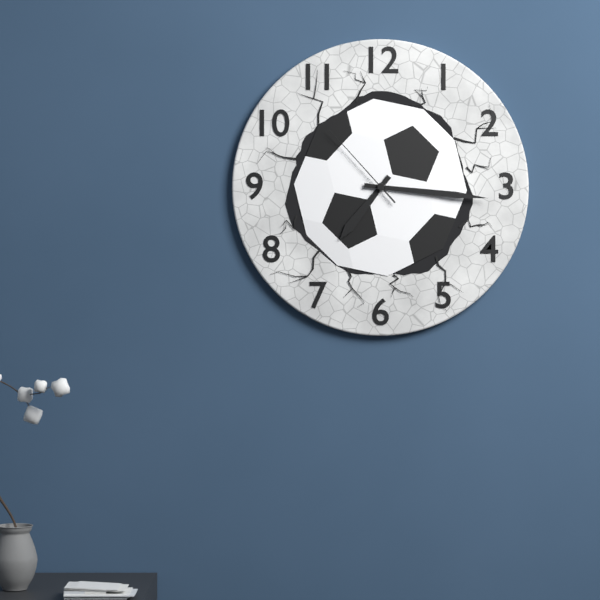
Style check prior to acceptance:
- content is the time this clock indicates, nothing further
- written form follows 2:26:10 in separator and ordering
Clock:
7:16:53
